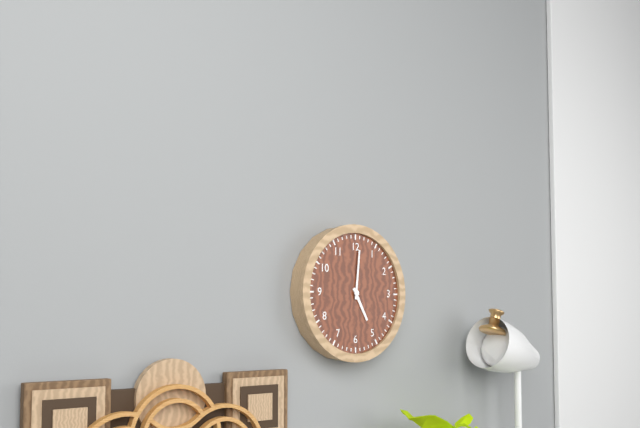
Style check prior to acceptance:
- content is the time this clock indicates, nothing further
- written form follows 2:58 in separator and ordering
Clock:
5:01
